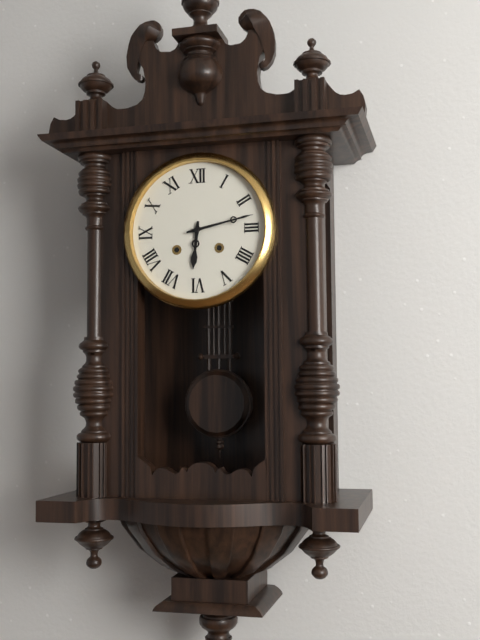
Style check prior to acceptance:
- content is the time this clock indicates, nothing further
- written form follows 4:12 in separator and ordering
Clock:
6:13
